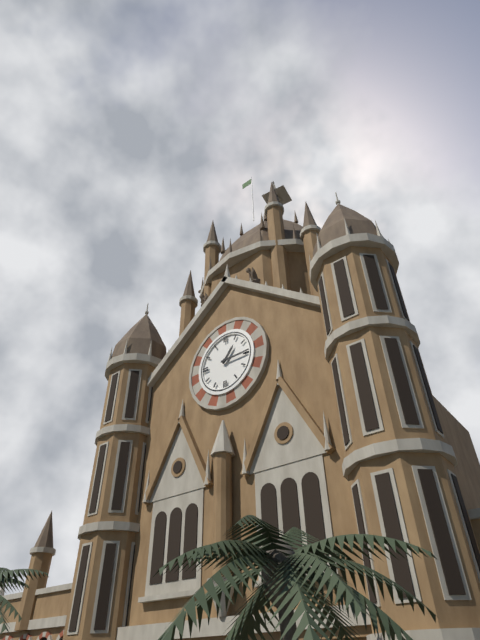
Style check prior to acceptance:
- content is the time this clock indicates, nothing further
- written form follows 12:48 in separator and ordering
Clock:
1:15
